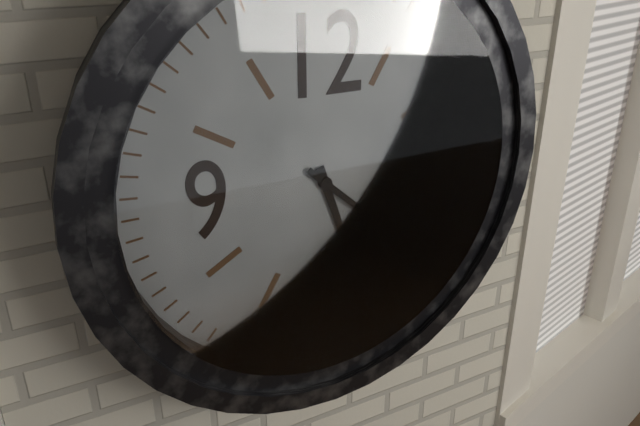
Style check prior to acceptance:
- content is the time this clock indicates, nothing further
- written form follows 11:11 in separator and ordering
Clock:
5:22
